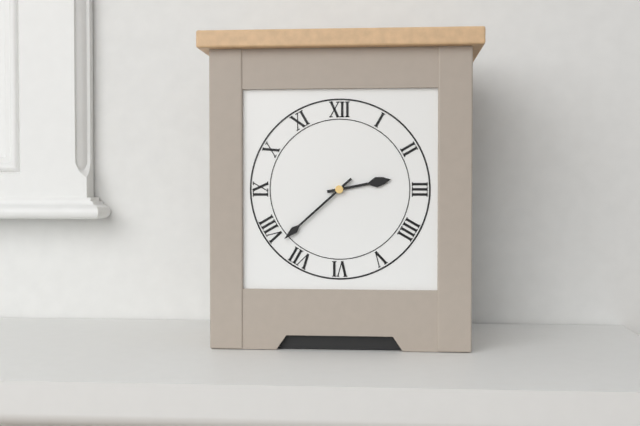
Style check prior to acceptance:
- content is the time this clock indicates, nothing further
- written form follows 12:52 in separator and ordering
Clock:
2:38
